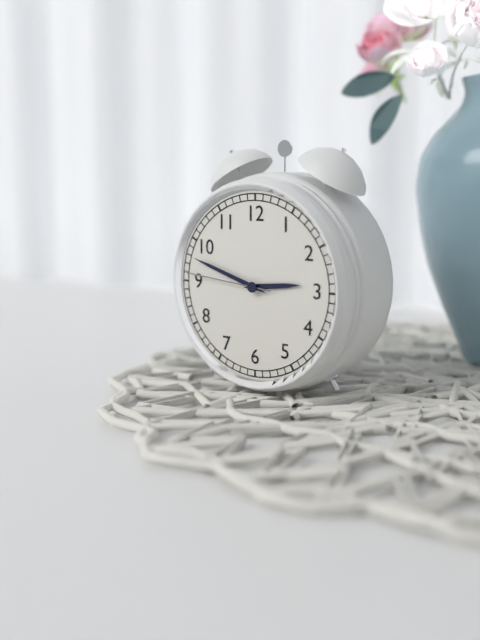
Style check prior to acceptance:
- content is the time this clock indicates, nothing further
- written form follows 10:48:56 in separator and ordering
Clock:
2:48:46
